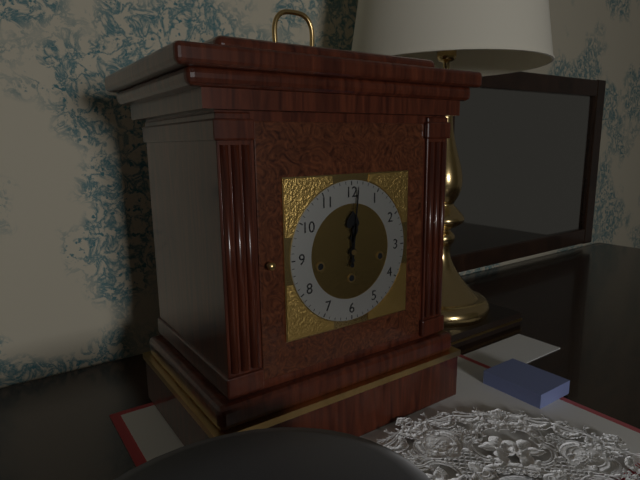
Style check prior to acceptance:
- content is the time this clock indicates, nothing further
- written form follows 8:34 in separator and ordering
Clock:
12:01
